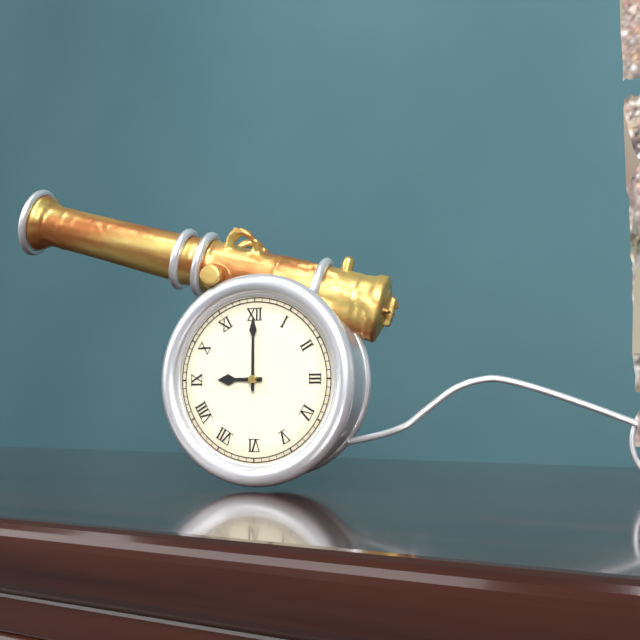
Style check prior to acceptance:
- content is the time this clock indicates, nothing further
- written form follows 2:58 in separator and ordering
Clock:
9:00
